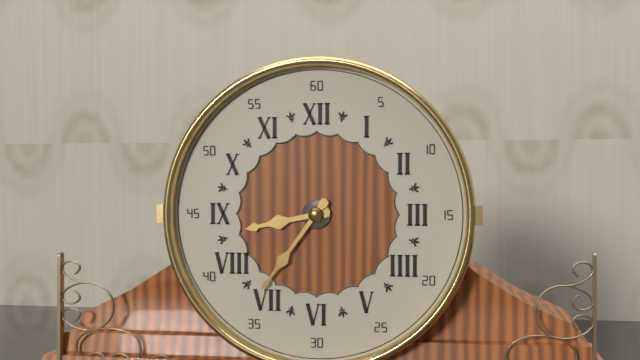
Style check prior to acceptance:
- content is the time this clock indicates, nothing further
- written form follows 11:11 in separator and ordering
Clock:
8:36
